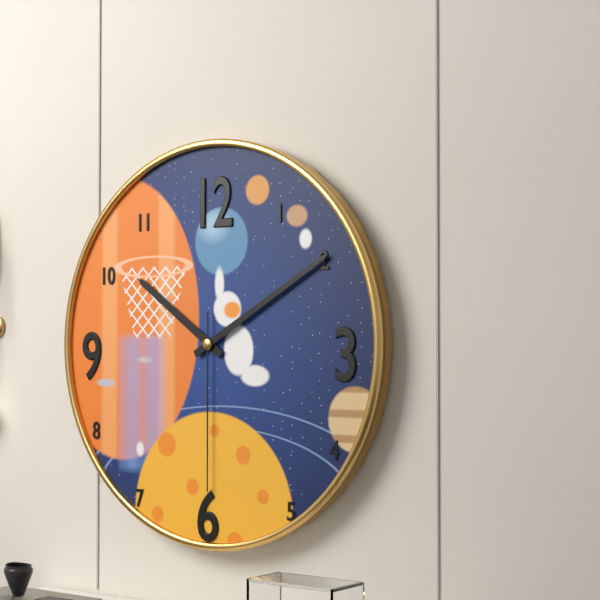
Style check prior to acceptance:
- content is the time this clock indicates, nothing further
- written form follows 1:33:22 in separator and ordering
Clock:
10:10:30
